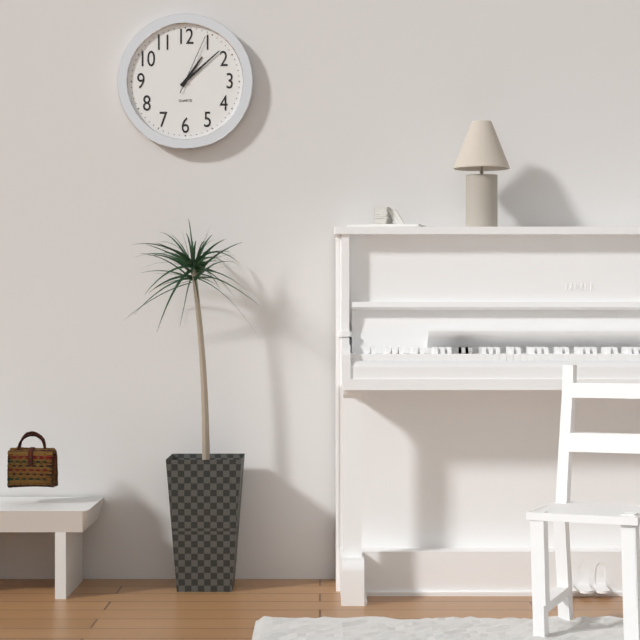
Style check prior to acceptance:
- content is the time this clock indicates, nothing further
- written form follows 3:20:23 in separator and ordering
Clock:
1:08:04
